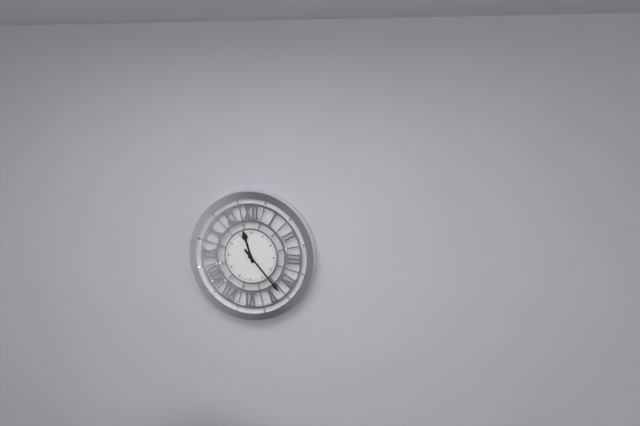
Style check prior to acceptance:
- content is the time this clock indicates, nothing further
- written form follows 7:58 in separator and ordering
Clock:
11:23
